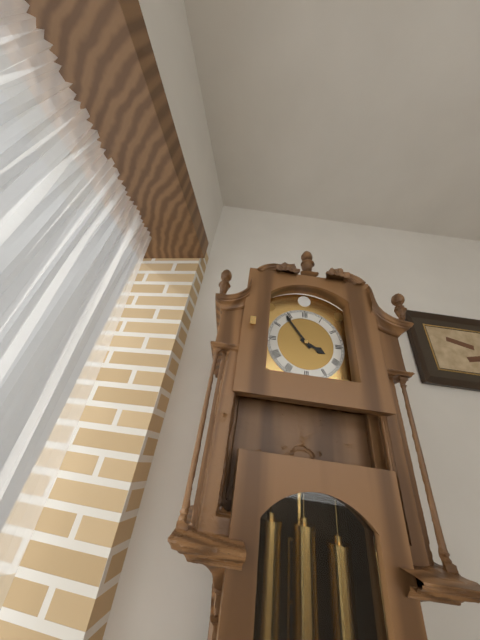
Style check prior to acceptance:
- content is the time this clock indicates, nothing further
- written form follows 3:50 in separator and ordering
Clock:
3:54
